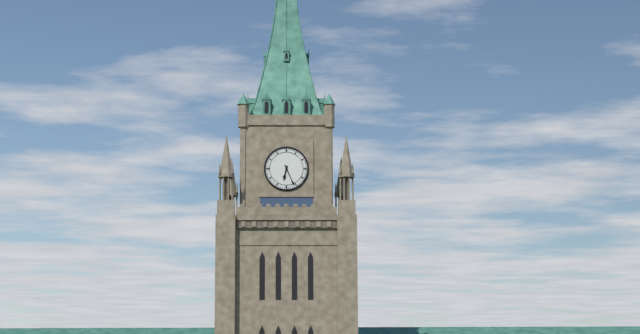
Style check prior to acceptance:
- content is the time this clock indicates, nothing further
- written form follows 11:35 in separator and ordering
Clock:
6:26
